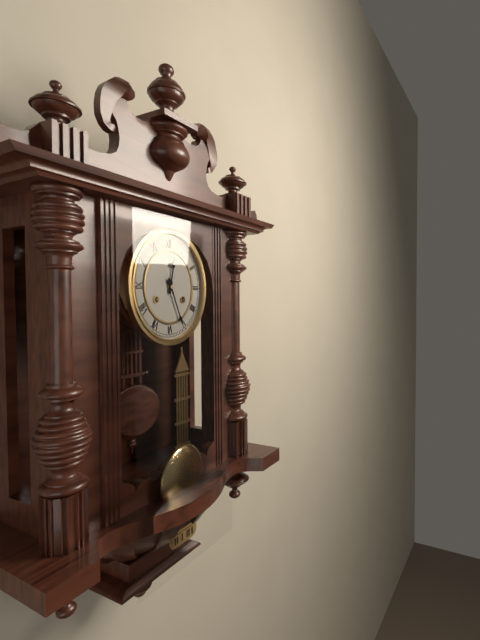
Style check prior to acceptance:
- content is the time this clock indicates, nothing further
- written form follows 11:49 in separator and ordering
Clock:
12:26
